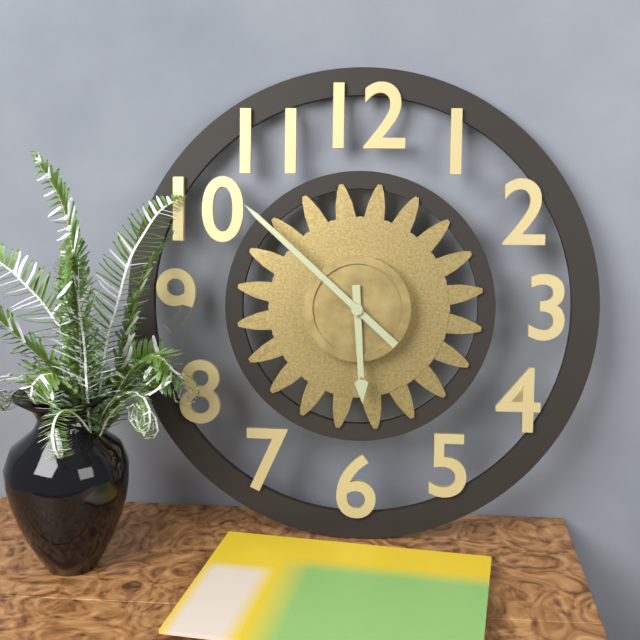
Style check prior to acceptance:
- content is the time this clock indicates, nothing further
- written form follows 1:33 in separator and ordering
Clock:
5:52
